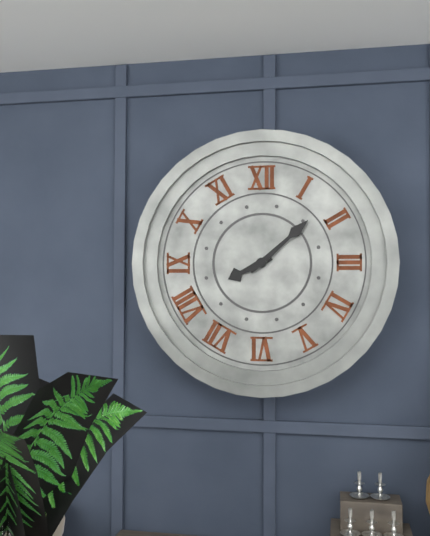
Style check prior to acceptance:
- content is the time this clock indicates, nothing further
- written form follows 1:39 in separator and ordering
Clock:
8:08
